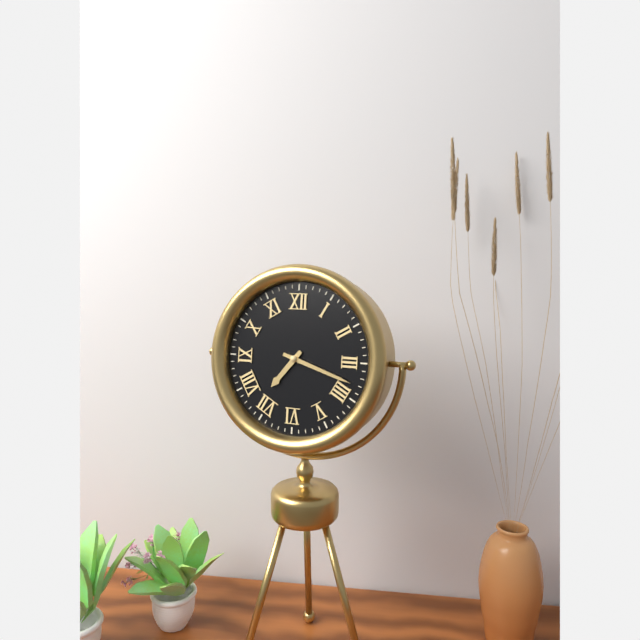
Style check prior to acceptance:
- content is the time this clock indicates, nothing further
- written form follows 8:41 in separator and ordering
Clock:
7:18
